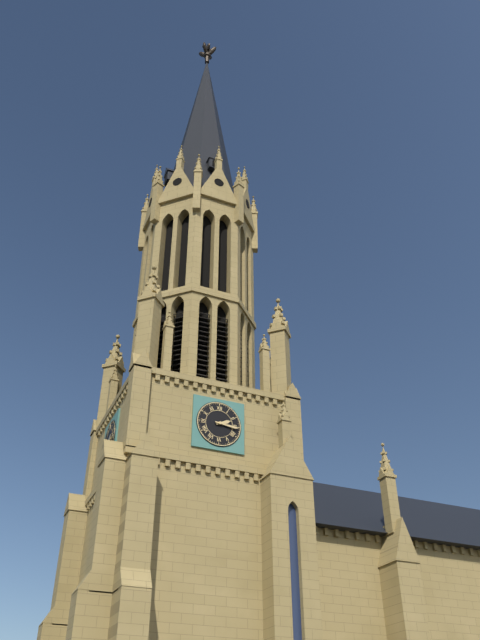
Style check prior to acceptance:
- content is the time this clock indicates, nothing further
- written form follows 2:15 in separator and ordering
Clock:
2:16
